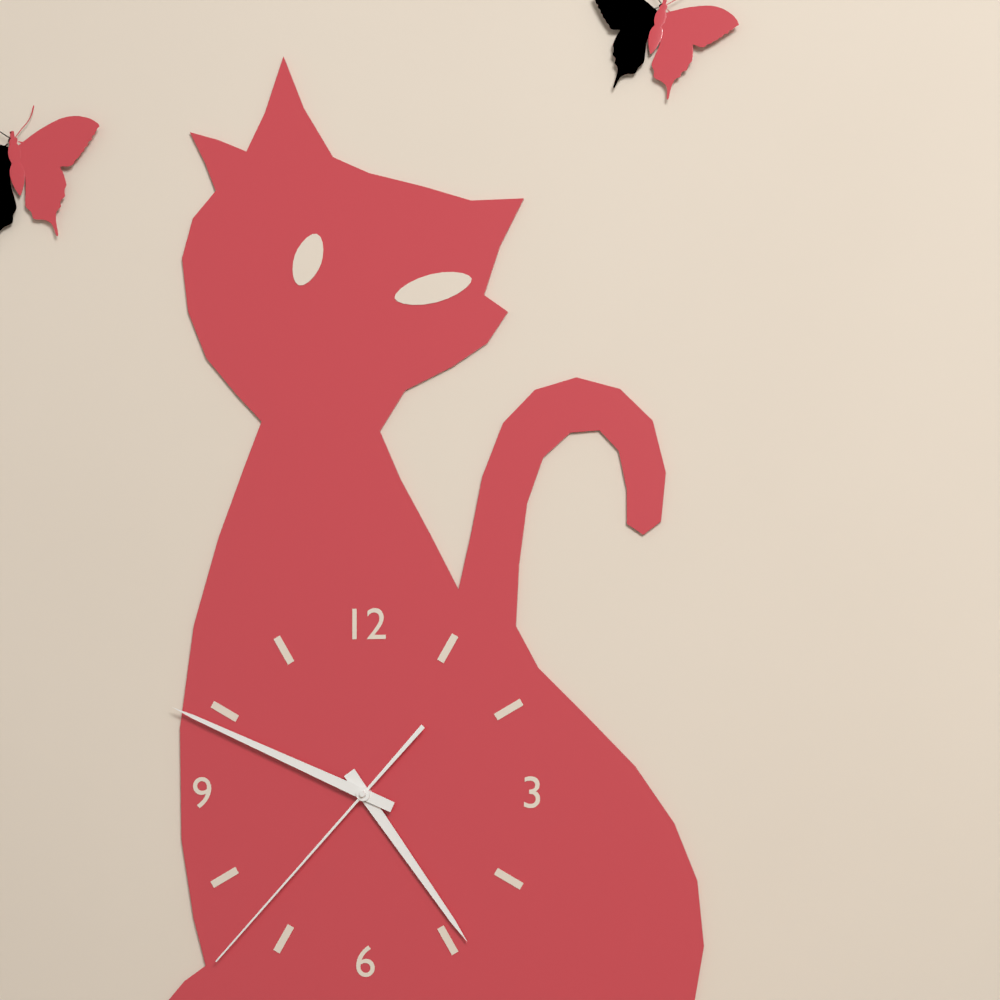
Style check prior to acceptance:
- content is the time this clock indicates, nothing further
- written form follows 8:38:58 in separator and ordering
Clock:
4:49:37
